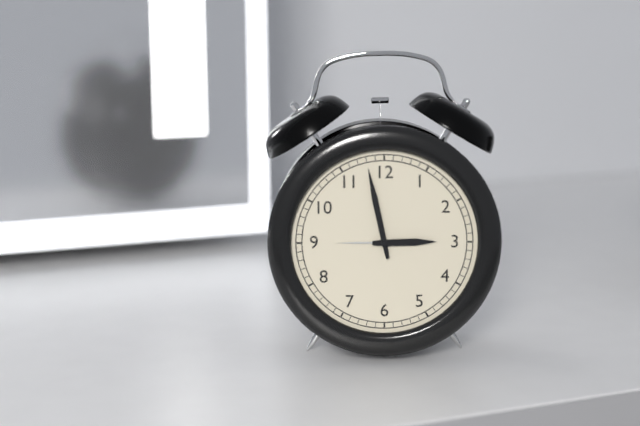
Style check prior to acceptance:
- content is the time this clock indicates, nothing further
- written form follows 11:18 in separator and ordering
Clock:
2:58
